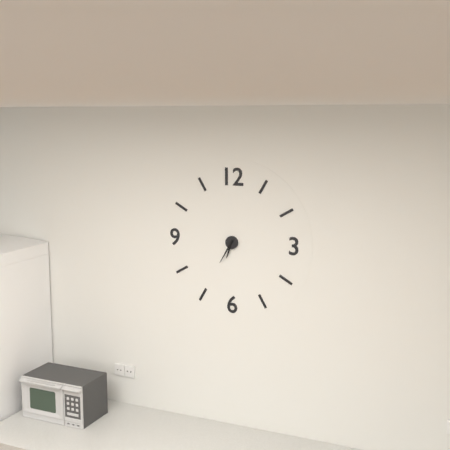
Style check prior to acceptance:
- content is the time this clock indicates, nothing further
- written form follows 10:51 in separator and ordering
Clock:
6:35
